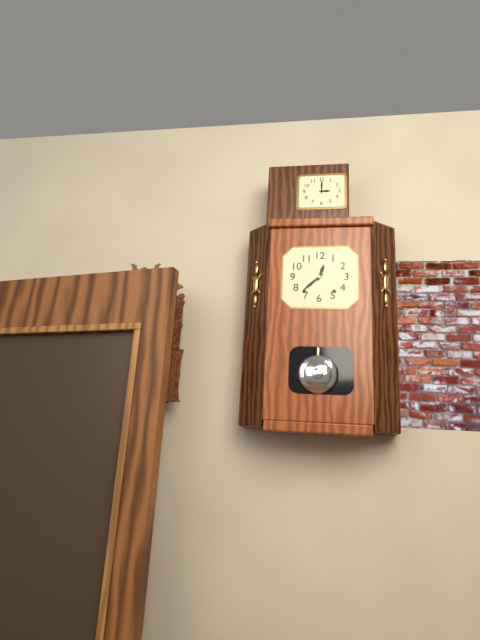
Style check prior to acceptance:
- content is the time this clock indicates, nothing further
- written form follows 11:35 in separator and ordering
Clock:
12:38
